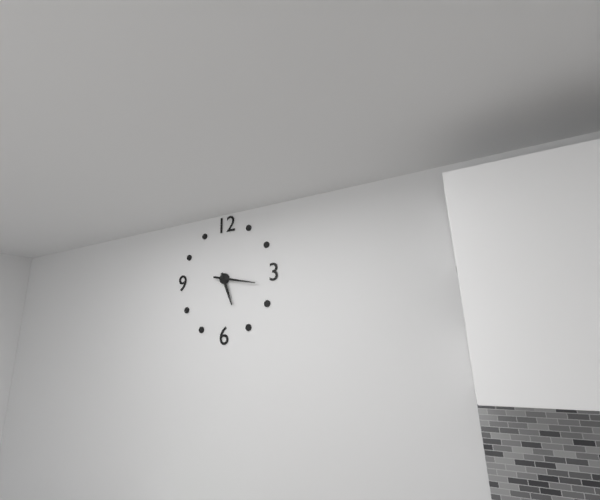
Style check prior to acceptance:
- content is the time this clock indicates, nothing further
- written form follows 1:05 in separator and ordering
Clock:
5:17
